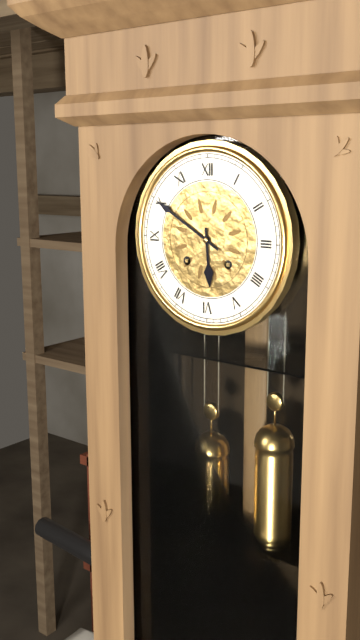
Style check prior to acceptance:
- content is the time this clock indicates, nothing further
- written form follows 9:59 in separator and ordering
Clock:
5:50
